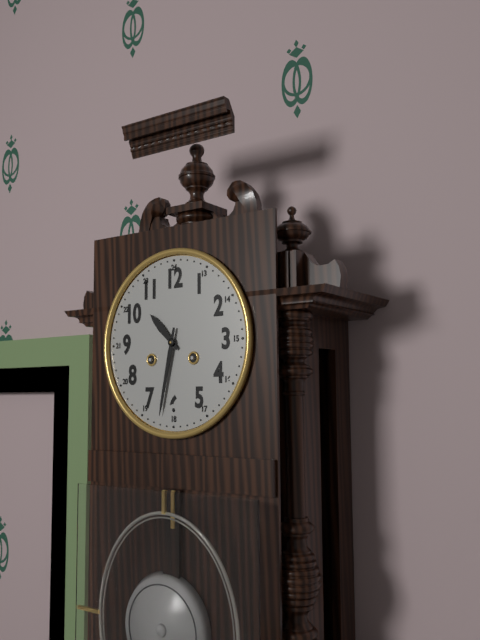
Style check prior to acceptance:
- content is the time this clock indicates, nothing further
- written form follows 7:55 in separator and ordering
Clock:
10:32
